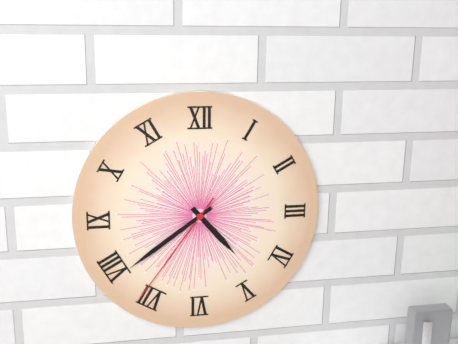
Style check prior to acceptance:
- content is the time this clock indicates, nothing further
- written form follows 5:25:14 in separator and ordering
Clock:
4:39:36
